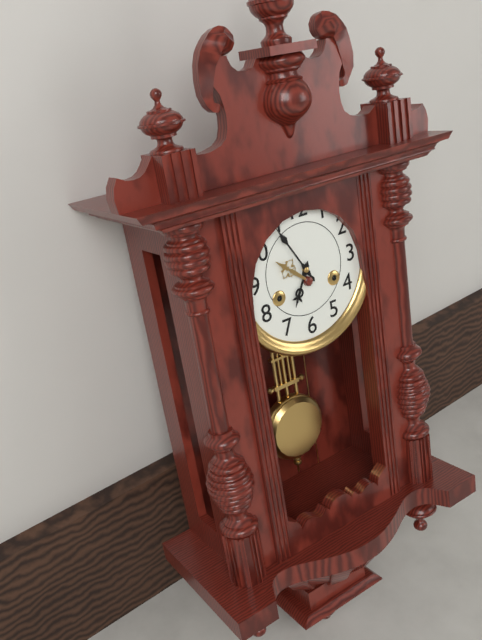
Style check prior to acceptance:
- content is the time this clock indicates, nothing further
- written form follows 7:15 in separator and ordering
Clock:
6:55
